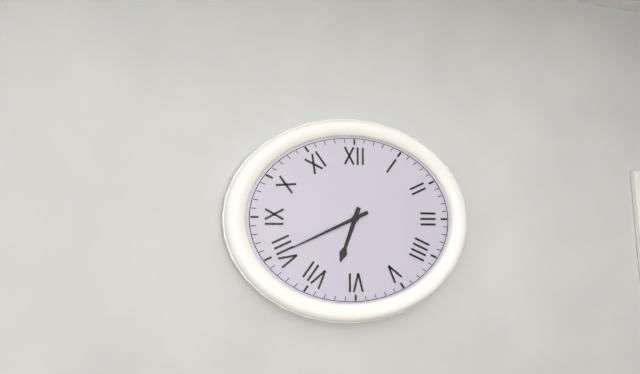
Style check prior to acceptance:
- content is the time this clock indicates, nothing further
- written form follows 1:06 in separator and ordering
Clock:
6:41
